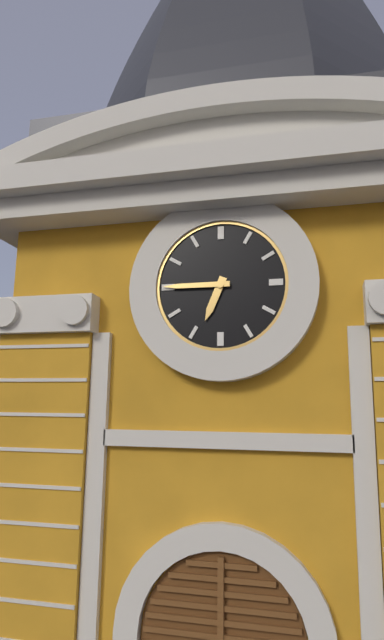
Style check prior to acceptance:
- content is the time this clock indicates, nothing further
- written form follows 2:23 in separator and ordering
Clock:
6:45
